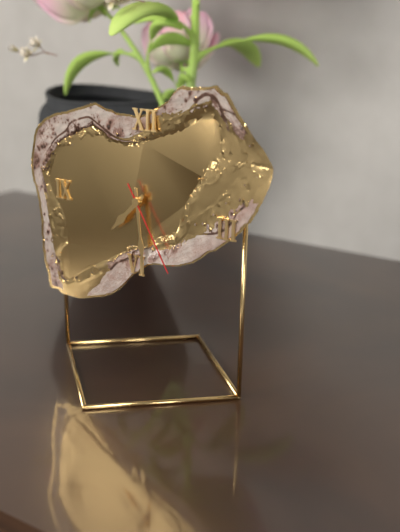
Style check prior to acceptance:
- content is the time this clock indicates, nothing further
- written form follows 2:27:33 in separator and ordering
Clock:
7:29:25
